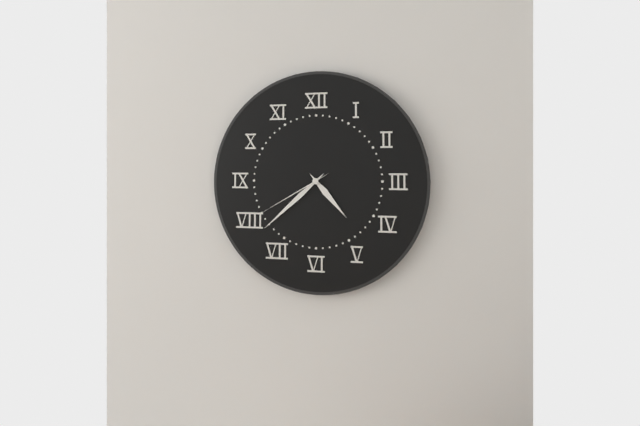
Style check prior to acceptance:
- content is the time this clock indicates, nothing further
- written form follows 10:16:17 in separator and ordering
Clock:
4:38:40
